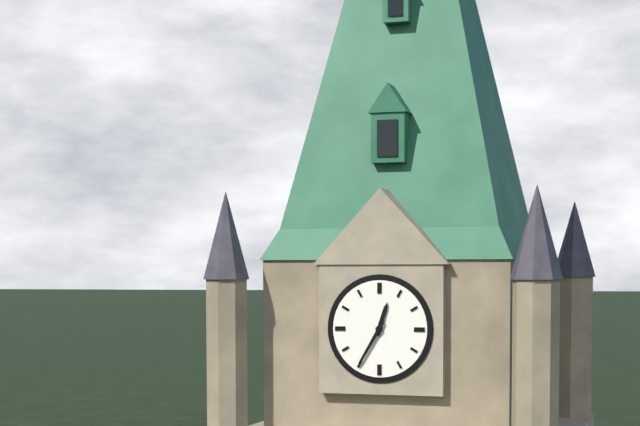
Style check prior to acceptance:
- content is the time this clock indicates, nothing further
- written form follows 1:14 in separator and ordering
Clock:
12:35
